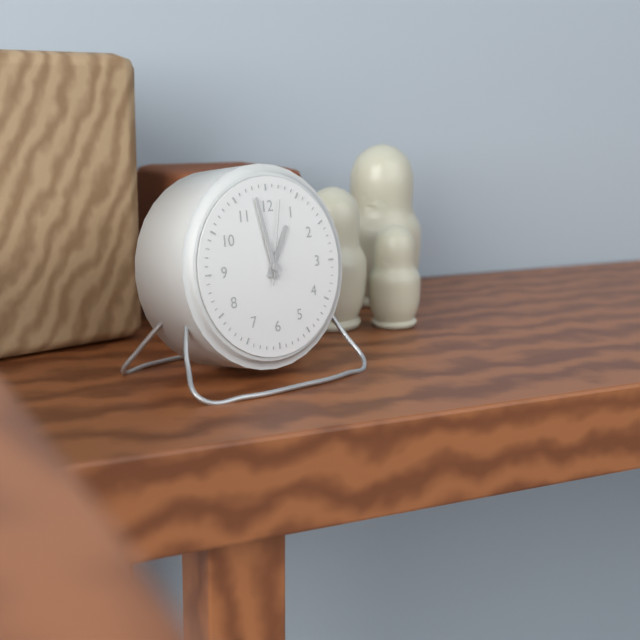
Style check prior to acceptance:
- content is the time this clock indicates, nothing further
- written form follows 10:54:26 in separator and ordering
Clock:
12:58:02
